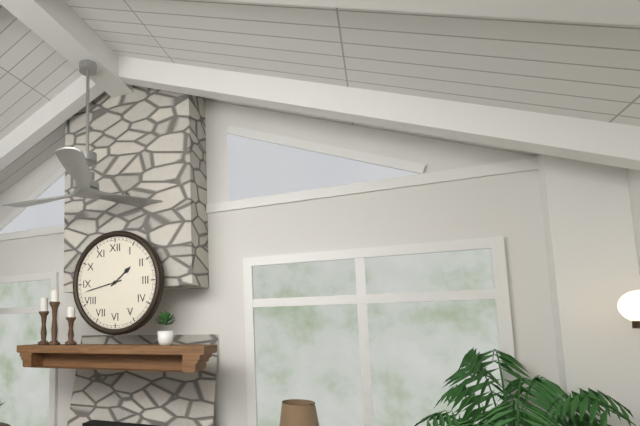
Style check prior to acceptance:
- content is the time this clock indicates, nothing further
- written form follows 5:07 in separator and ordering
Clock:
1:43
